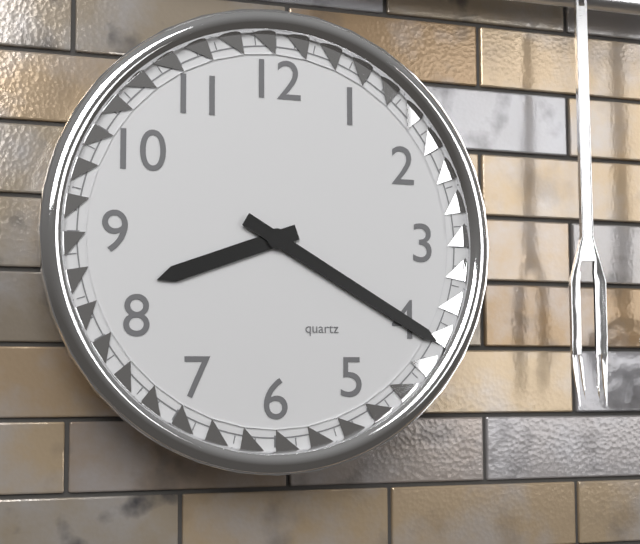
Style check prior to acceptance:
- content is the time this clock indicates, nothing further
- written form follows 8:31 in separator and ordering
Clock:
8:20
